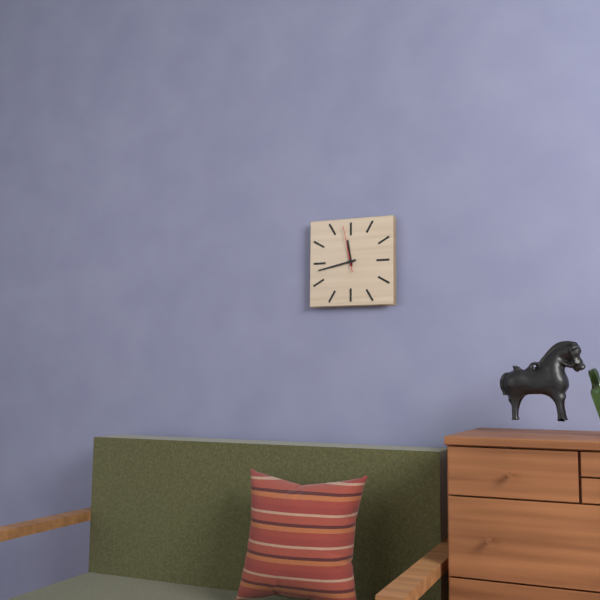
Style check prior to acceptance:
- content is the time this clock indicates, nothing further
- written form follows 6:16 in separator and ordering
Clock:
11:43
